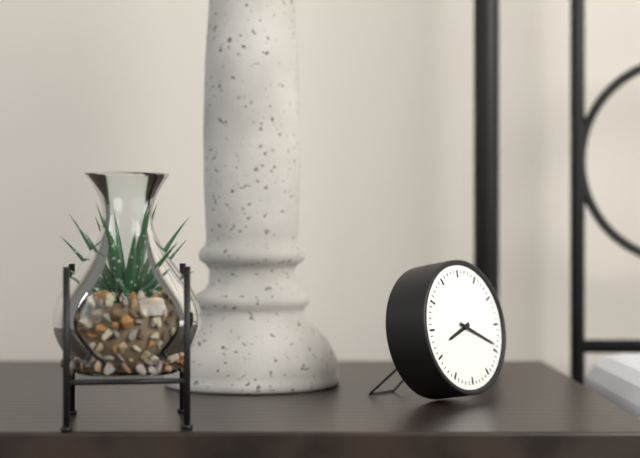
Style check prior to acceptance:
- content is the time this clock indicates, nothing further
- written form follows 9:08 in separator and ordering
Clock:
8:19
